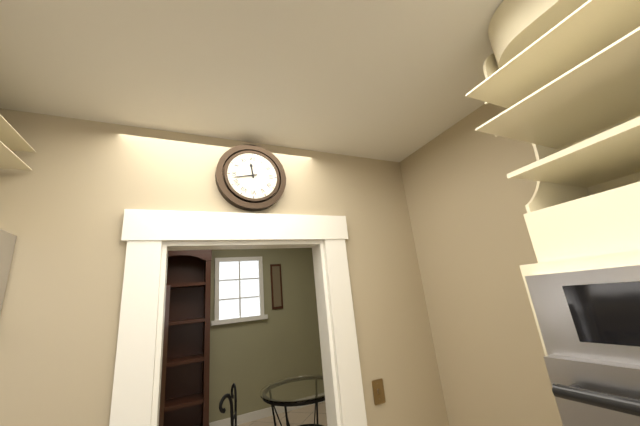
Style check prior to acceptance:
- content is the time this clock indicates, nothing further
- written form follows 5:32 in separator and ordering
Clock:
11:43
